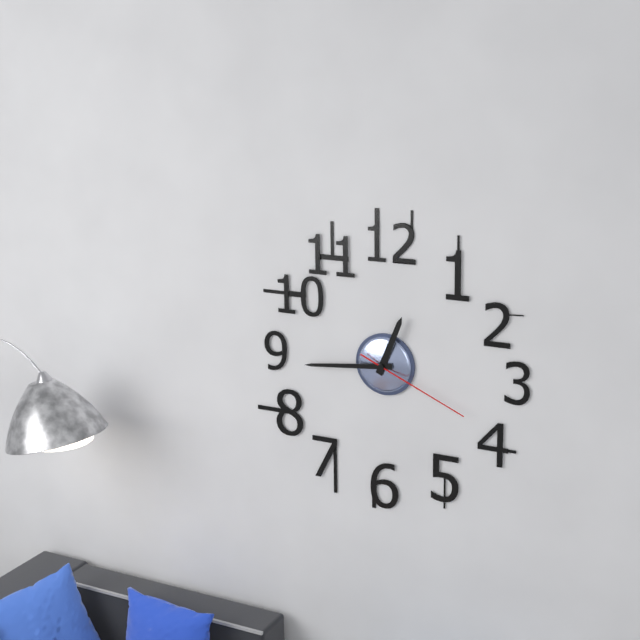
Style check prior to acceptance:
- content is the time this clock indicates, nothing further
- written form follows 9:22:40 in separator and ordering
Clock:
12:44:19
